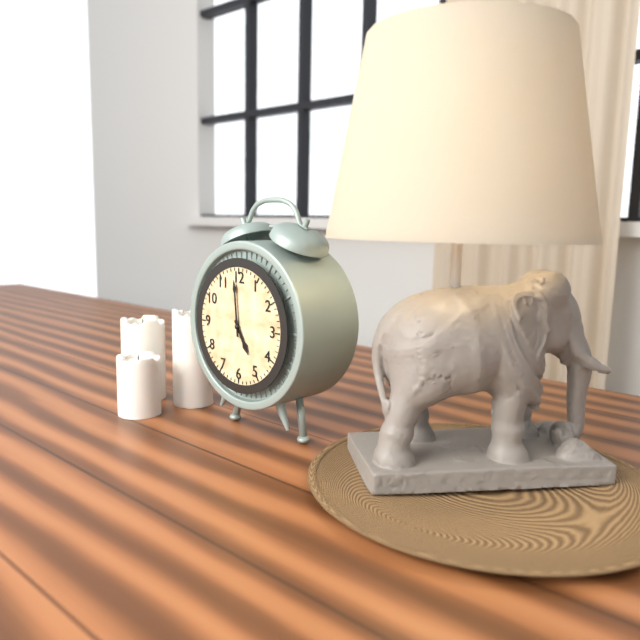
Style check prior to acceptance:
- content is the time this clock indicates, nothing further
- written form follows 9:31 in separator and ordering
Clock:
4:59
